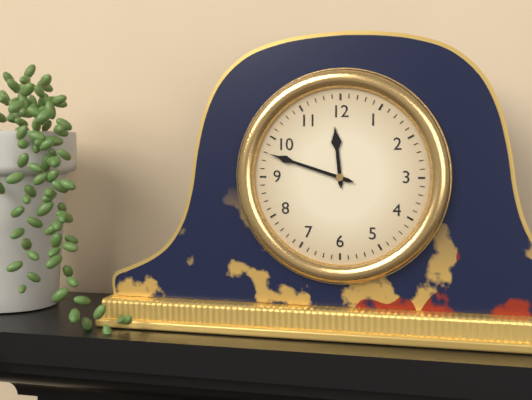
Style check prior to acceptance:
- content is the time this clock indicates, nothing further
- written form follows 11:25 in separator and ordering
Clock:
11:48
